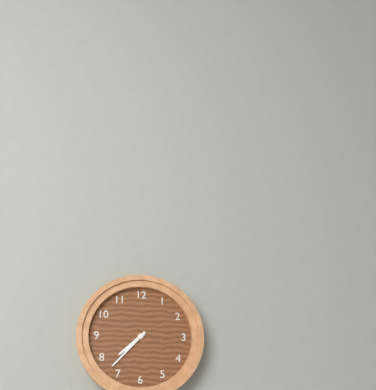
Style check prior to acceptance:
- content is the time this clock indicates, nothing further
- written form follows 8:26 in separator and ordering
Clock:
7:37
